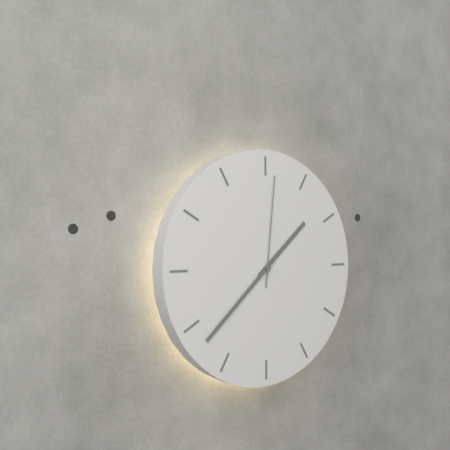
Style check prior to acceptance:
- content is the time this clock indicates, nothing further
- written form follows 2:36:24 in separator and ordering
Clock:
1:38:01
